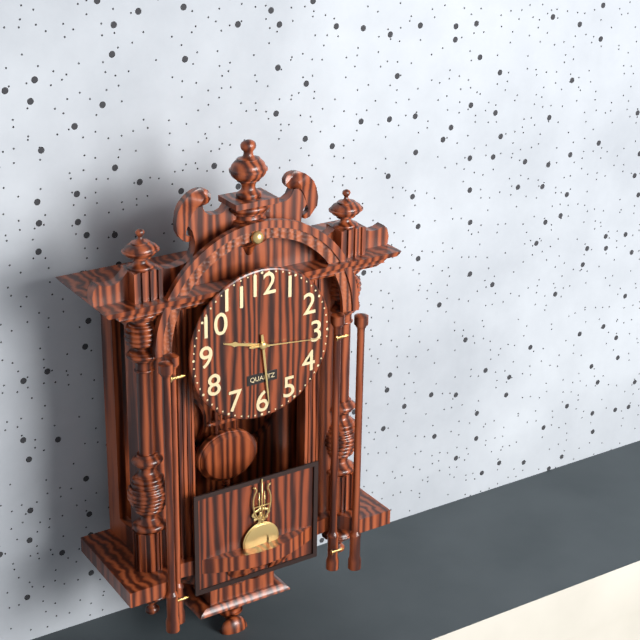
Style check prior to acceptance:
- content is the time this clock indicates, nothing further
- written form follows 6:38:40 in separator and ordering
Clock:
9:29:16
